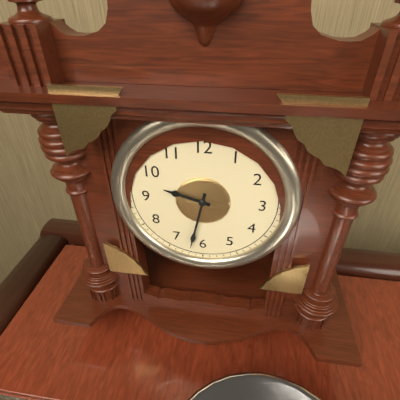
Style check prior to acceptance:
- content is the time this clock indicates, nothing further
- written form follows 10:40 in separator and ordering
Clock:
9:32
